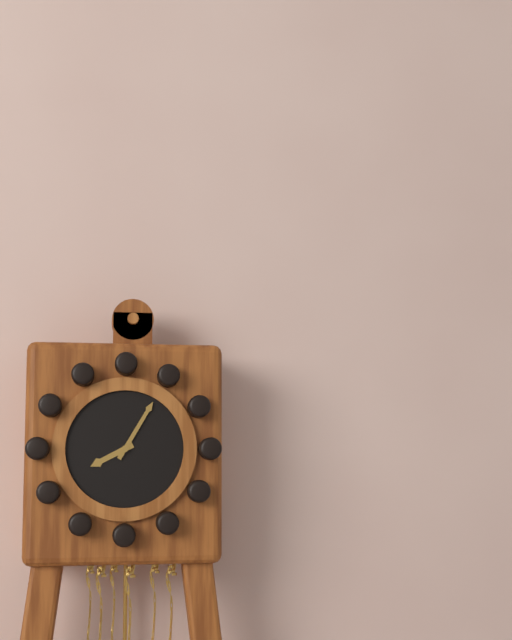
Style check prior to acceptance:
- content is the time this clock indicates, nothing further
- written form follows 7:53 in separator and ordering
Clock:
8:05
